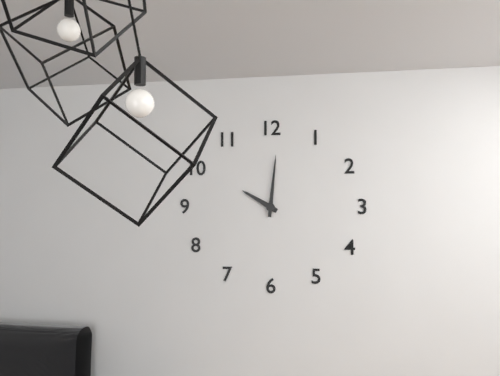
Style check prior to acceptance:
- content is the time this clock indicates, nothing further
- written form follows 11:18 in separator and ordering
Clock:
10:01
